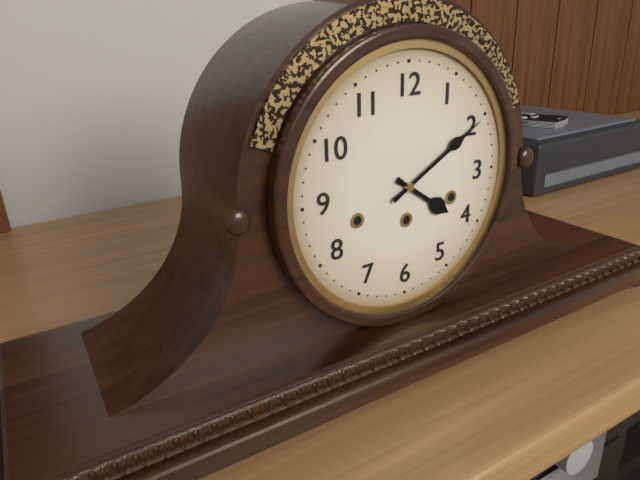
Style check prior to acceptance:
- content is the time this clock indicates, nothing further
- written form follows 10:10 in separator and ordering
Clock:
4:10
